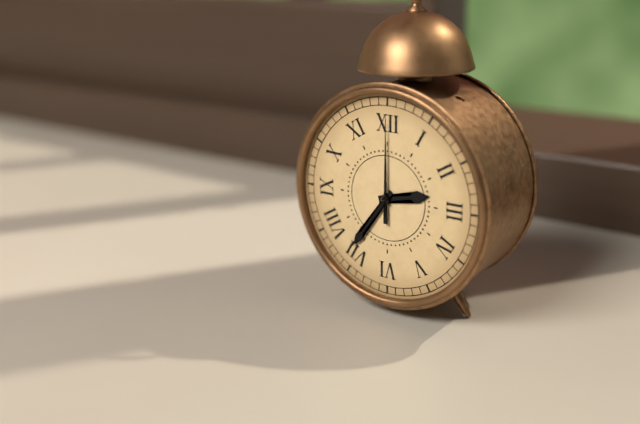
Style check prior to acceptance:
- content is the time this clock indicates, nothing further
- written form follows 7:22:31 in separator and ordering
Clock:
2:36:00
